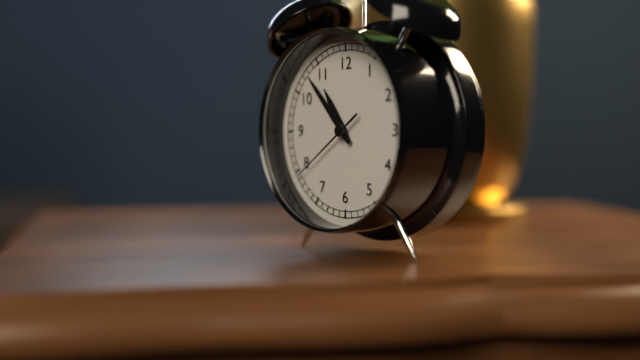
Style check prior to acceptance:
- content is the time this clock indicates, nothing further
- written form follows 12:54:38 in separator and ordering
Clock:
10:53:39
